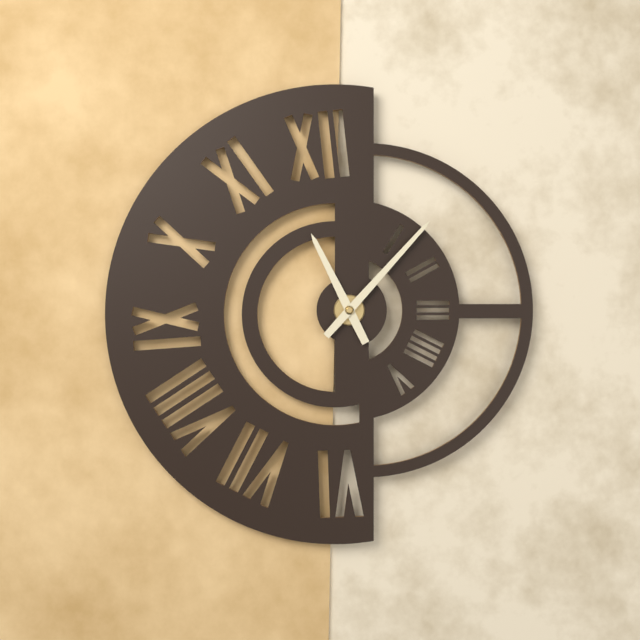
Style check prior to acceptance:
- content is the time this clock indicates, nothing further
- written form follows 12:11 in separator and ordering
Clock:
11:07
